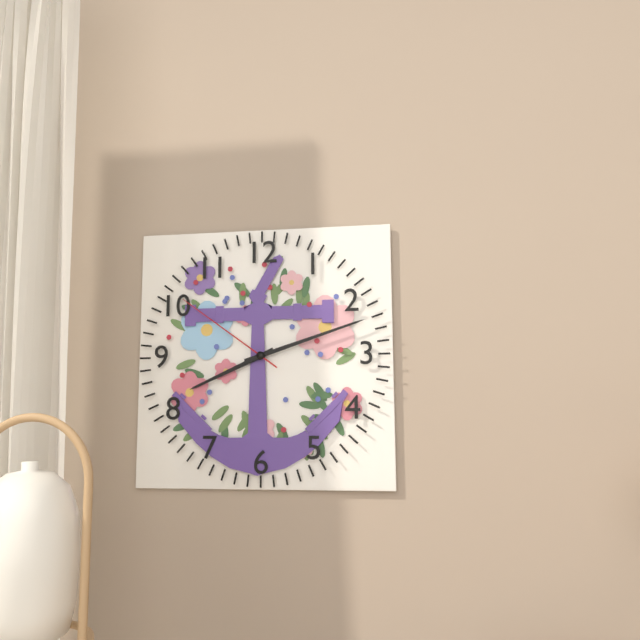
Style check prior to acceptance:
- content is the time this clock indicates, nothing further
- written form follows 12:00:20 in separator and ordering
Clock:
8:12:51
